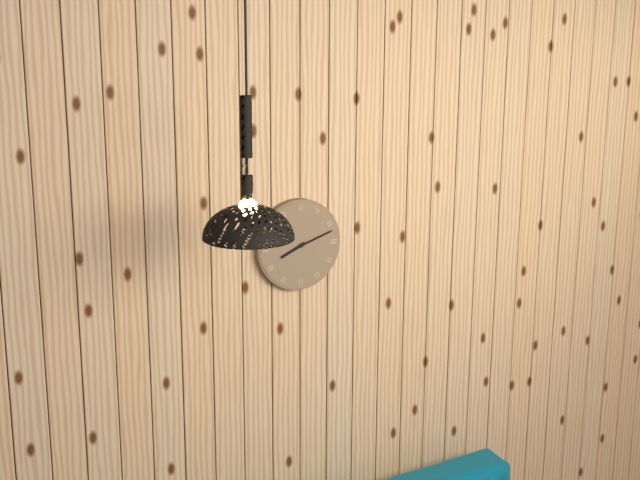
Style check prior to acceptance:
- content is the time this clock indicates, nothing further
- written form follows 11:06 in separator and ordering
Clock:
8:12
